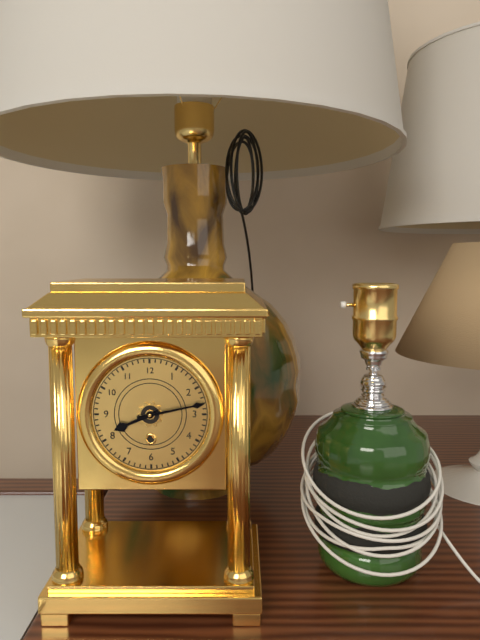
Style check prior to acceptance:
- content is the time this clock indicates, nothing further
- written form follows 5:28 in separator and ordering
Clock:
8:13
